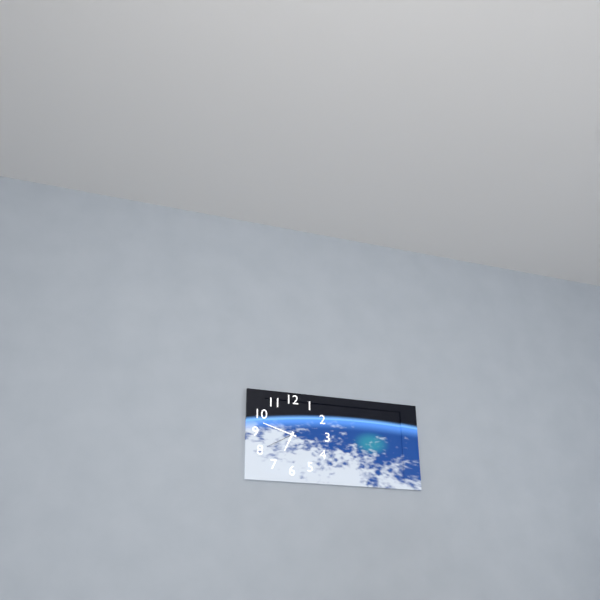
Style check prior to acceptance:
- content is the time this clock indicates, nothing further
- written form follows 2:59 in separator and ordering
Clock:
6:48
